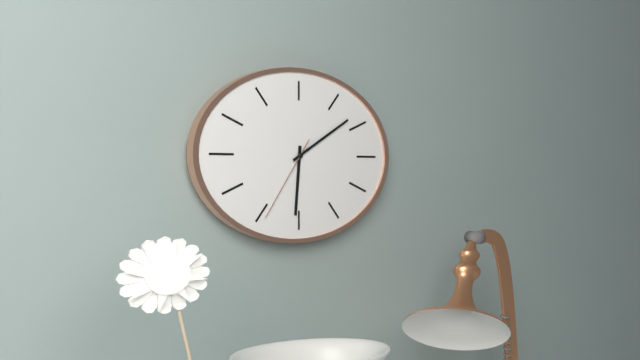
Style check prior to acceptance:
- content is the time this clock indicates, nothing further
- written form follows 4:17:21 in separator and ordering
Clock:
6:10:36
